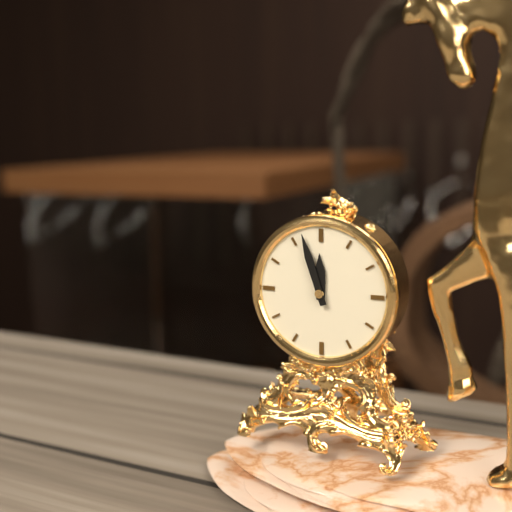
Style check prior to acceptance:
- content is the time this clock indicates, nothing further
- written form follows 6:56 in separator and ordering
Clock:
11:57
